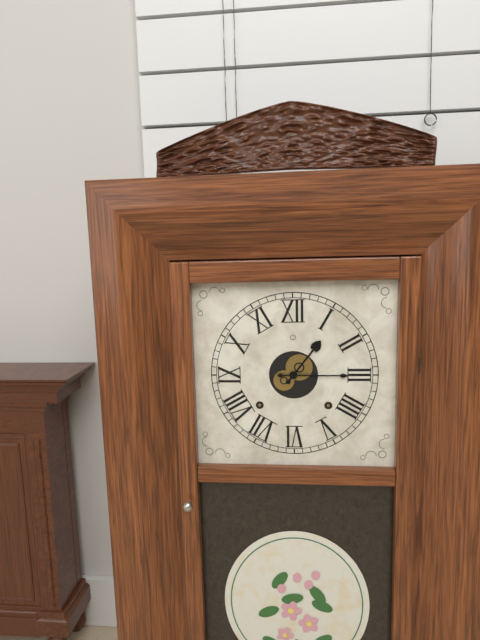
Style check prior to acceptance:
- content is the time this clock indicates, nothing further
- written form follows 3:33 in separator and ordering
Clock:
1:15
